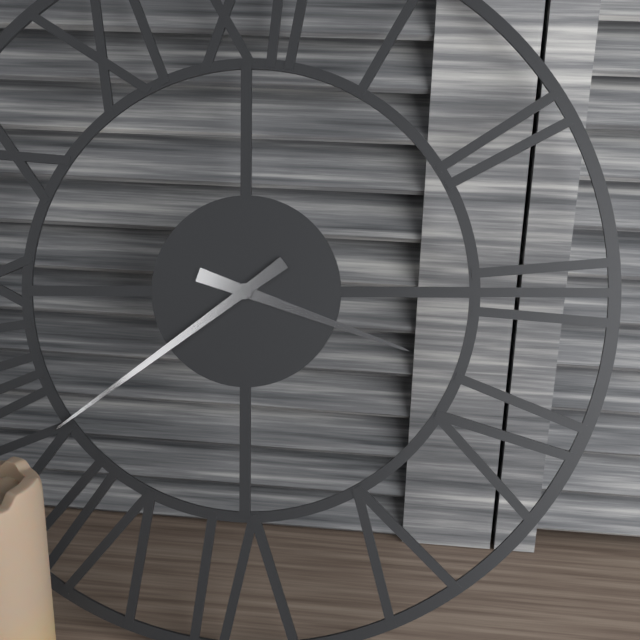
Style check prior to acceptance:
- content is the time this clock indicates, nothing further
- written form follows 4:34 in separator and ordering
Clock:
3:39
